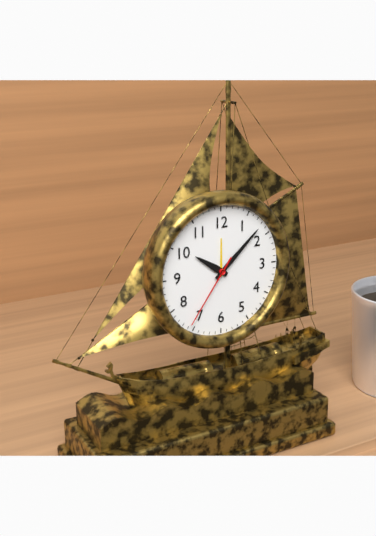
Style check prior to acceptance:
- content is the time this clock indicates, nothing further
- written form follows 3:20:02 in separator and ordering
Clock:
10:08:36
